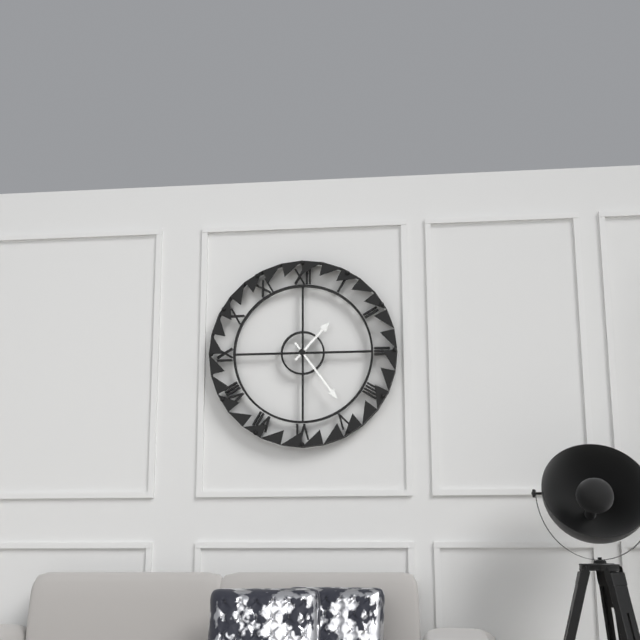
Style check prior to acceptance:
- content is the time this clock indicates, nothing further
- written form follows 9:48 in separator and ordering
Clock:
1:24
